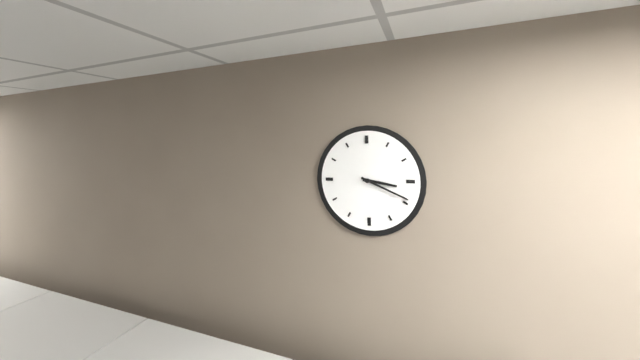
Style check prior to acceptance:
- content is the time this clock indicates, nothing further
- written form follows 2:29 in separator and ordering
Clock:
3:19
